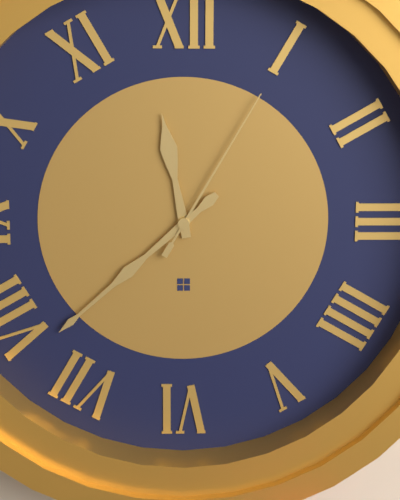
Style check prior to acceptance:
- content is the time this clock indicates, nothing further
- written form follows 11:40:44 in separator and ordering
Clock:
11:38:05
